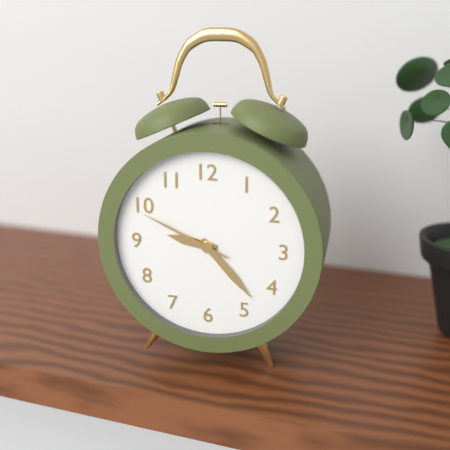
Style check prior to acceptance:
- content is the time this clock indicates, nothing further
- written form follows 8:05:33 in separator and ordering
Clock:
9:23:49
